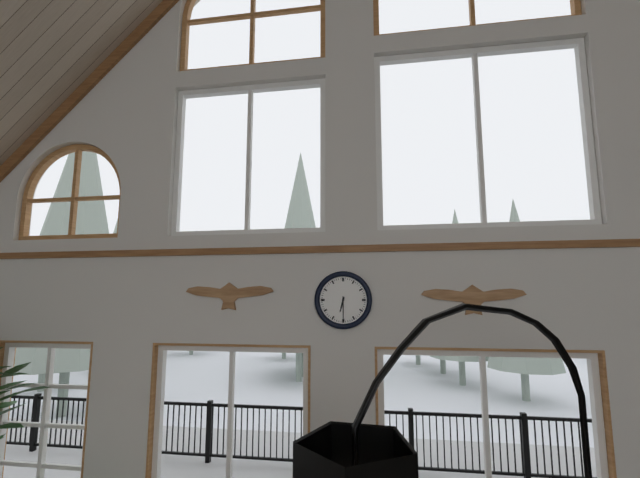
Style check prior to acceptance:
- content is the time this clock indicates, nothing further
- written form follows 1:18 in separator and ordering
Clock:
6:30
